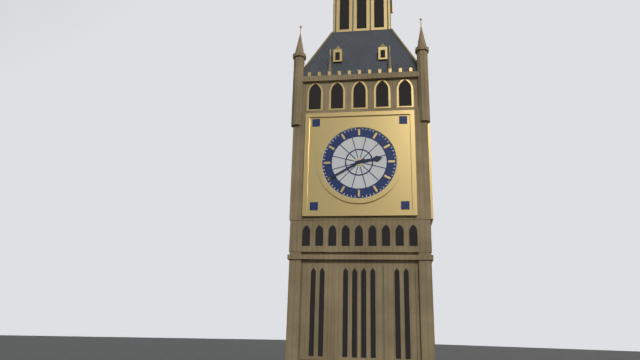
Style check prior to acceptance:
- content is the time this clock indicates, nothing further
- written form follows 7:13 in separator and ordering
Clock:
2:40
